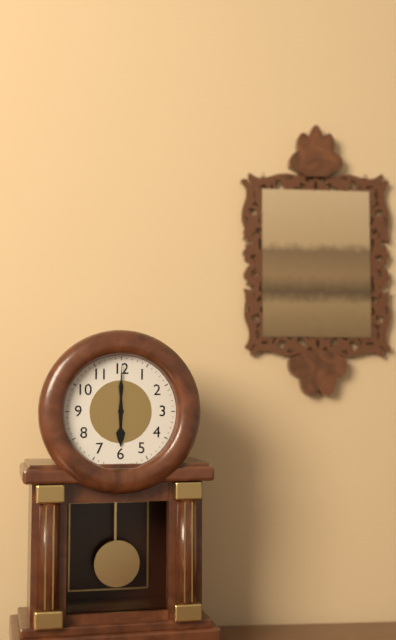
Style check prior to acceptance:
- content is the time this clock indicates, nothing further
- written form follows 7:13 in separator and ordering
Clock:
6:00
